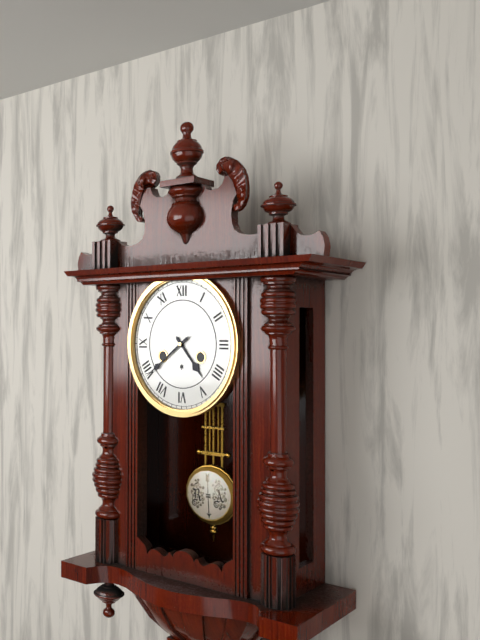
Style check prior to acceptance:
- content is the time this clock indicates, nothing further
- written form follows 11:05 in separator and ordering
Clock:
4:39
